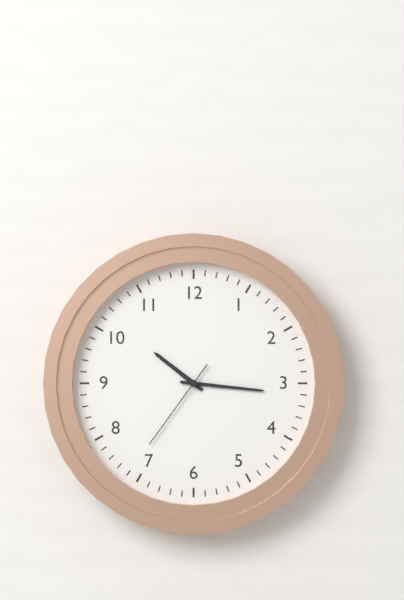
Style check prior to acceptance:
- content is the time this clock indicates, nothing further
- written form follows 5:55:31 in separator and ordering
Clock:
10:16:36
